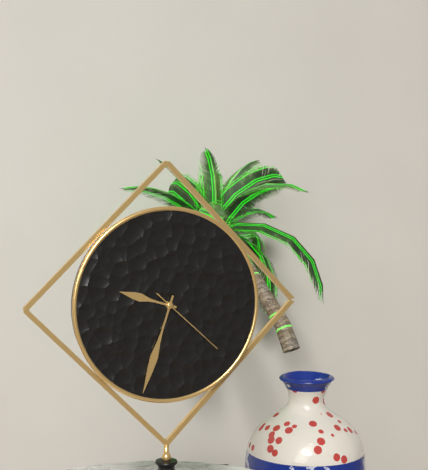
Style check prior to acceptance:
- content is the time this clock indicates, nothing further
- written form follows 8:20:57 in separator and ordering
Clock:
9:33:22
